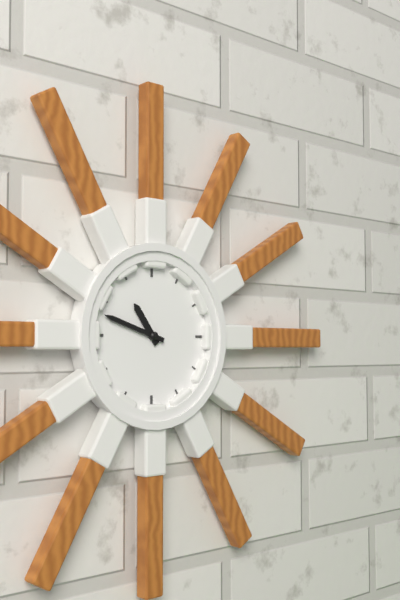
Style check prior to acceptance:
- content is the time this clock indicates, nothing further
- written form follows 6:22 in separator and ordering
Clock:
10:48
